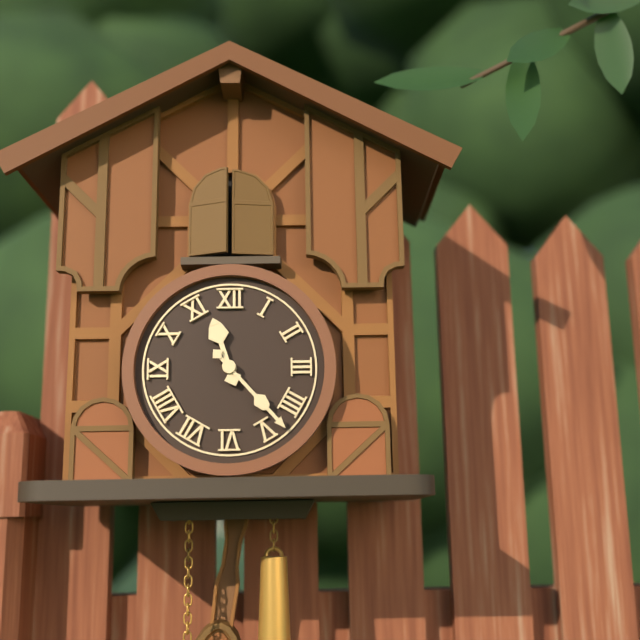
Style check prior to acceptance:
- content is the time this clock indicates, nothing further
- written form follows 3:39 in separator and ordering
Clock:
11:23
